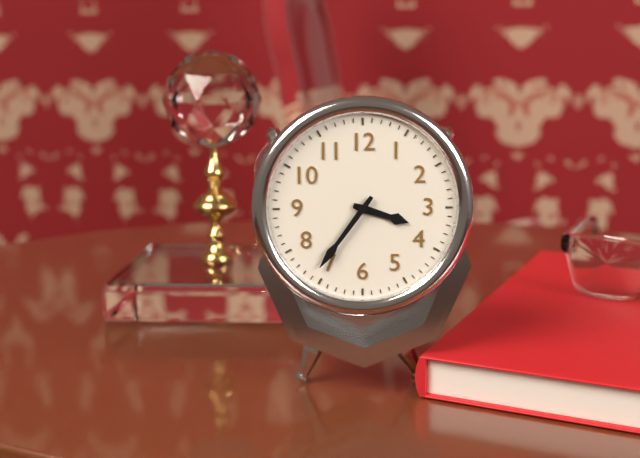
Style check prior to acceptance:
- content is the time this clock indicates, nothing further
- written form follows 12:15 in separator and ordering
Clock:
3:36
